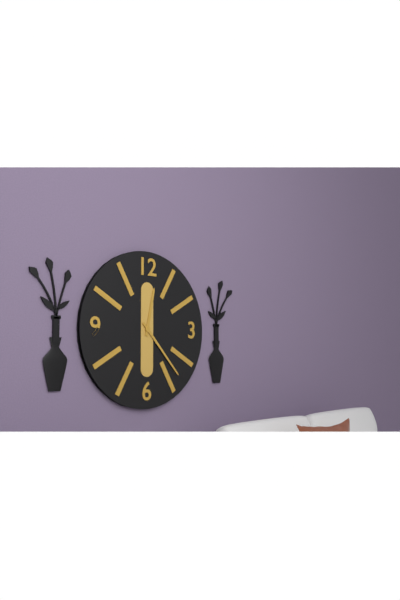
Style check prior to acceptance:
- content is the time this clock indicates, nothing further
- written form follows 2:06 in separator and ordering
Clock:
12:23
